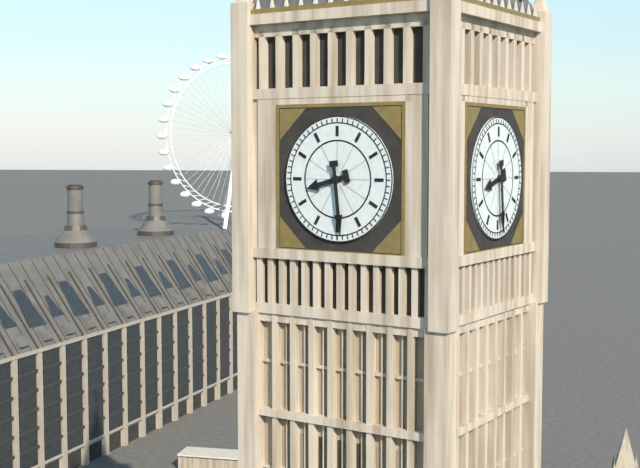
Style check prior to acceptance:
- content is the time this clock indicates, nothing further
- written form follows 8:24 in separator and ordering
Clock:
8:29
